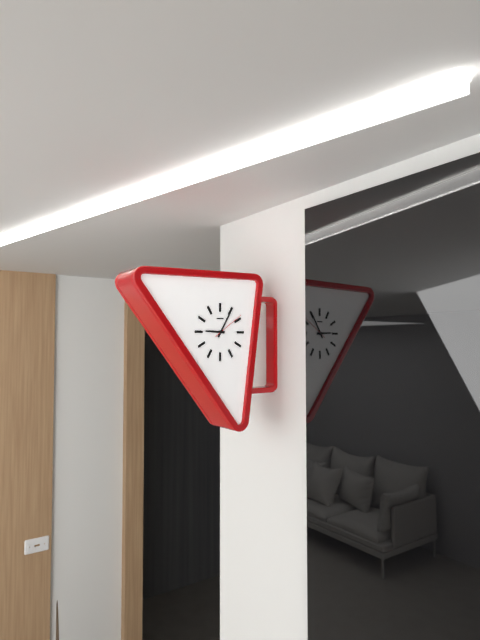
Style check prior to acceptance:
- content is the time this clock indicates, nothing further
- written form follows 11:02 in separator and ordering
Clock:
9:05
